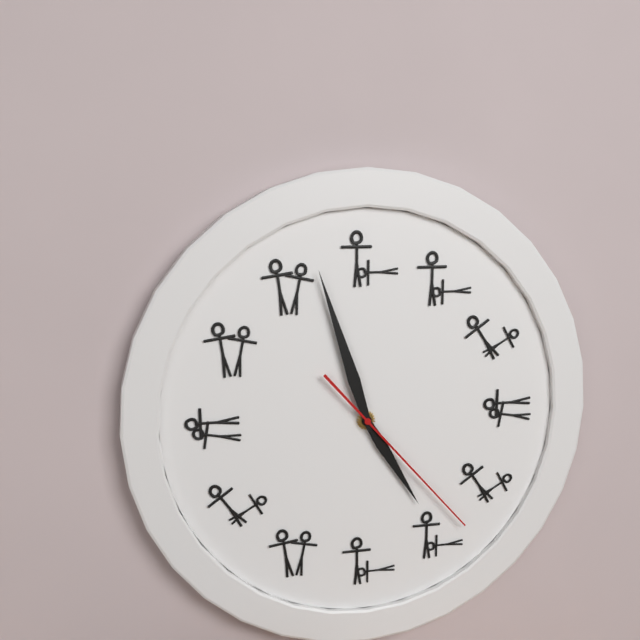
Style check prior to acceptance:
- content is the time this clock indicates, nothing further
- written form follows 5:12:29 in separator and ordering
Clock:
4:57:23
